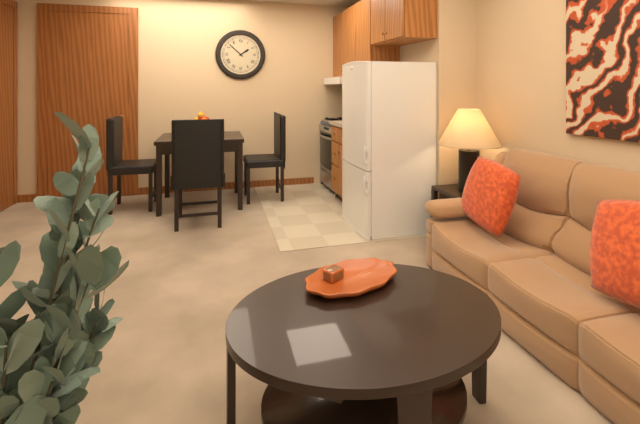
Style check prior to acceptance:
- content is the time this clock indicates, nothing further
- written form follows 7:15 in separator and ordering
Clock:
1:52
